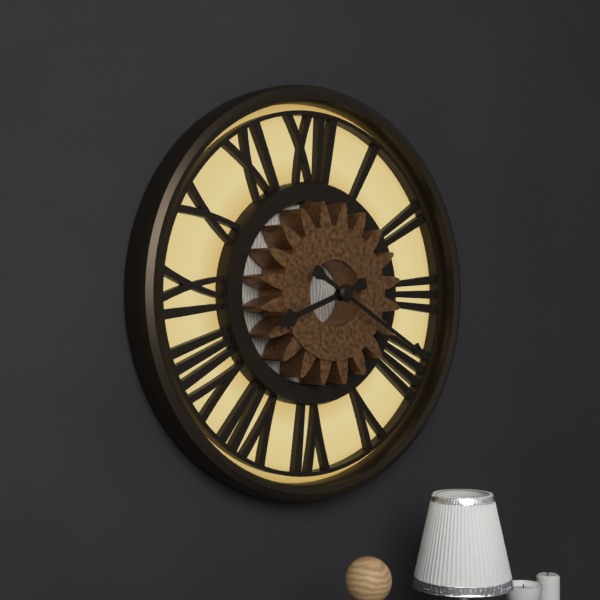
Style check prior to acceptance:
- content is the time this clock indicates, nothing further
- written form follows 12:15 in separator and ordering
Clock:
8:20
